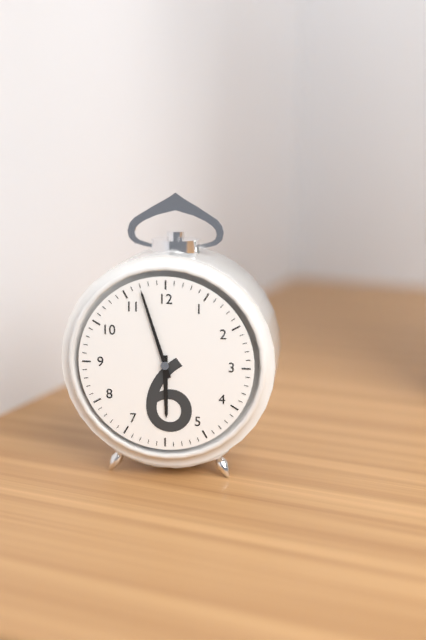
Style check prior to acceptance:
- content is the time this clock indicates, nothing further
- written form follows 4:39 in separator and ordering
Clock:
5:57
